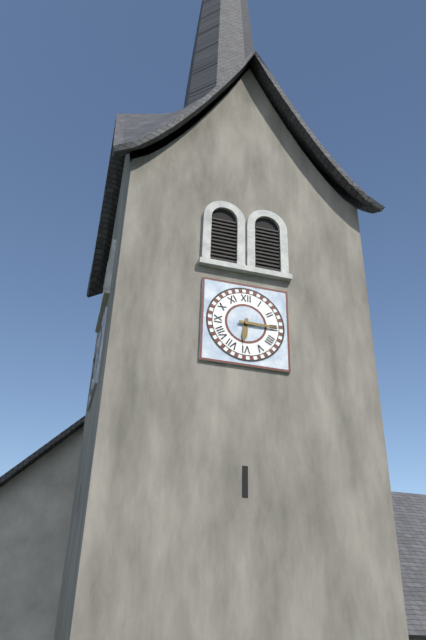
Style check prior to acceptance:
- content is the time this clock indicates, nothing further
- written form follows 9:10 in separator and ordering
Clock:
6:15
